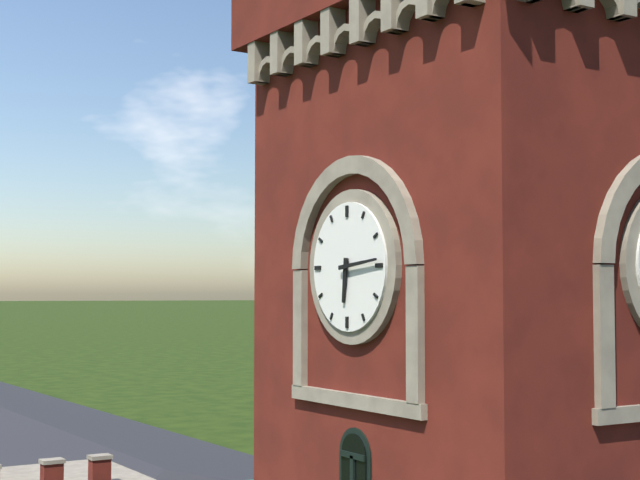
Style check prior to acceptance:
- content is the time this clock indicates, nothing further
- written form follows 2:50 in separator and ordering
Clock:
6:14
